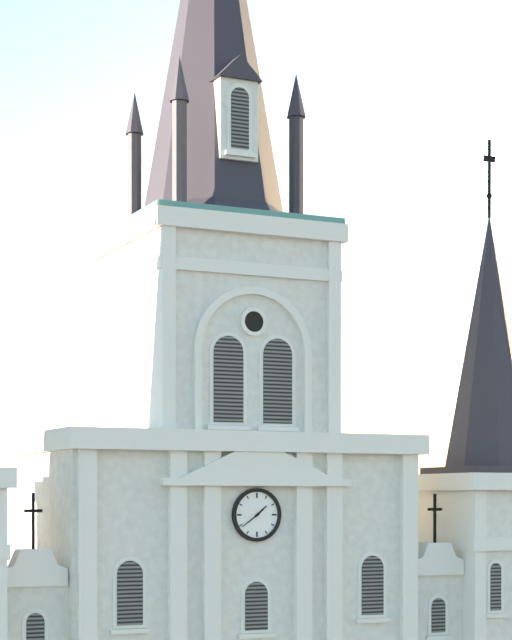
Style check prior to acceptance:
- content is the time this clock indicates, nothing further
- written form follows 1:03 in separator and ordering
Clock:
1:39
